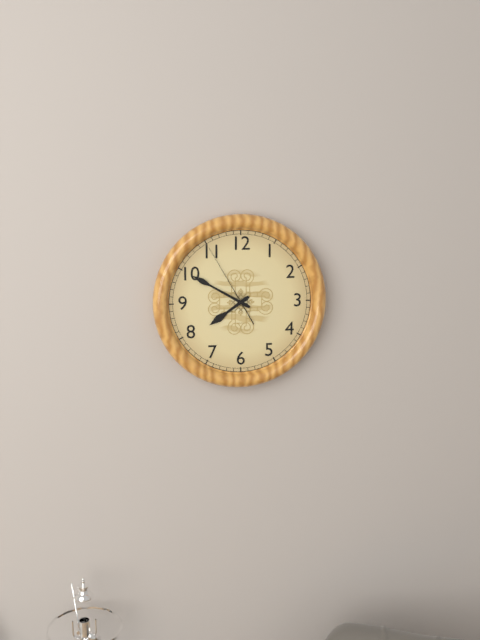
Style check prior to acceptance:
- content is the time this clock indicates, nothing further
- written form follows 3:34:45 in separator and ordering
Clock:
7:50:55
